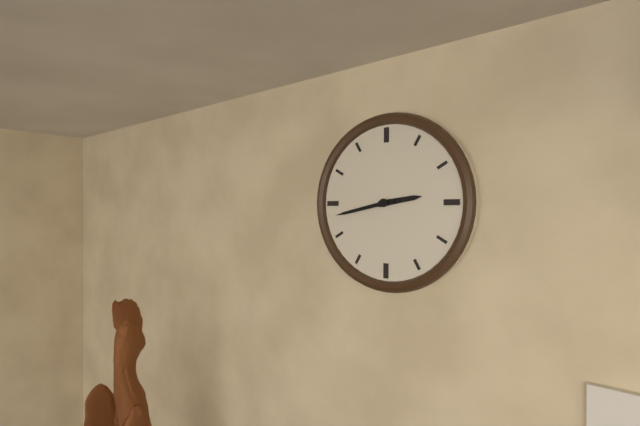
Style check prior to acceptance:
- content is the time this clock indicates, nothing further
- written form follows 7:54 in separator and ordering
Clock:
2:43
